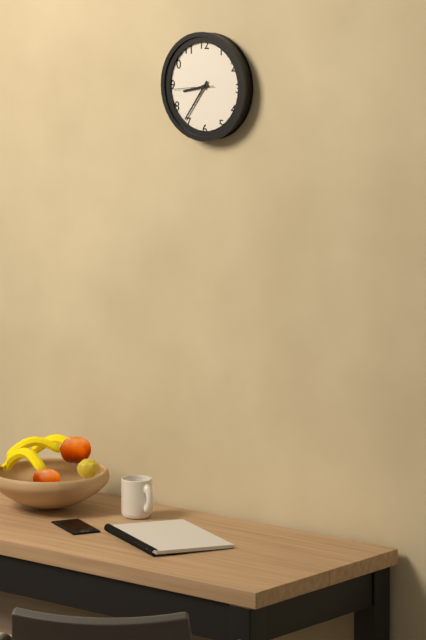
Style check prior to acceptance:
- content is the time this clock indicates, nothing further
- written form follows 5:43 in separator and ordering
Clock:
8:36
